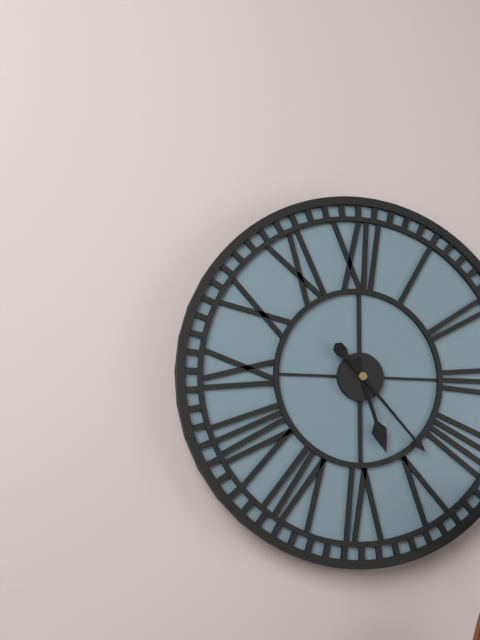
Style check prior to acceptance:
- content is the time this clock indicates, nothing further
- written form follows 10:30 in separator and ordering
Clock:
5:23
